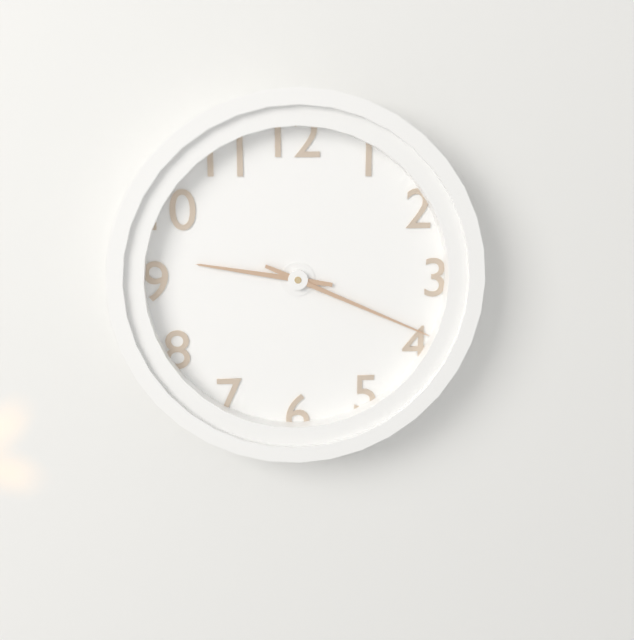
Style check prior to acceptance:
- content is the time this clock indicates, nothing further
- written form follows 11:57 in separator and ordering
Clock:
9:19
